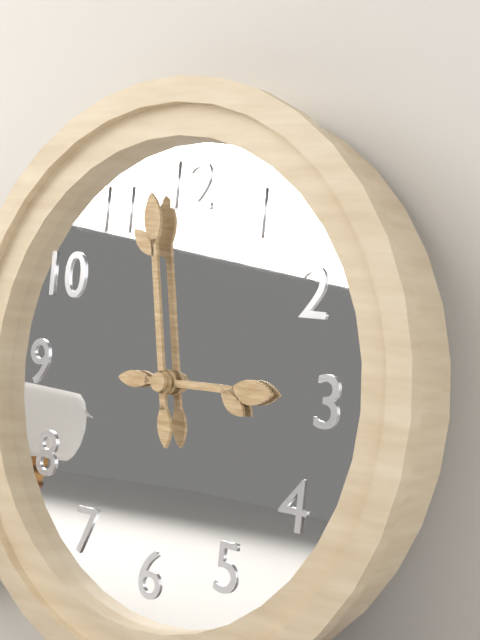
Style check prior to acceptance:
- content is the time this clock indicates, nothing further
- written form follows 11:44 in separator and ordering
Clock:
2:58
